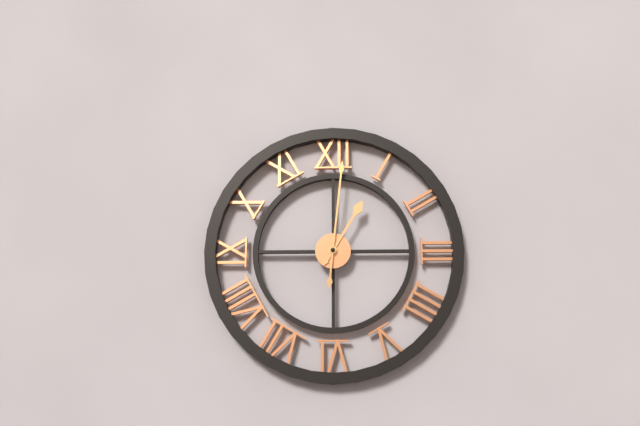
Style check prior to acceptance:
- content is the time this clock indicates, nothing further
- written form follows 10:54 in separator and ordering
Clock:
1:01
